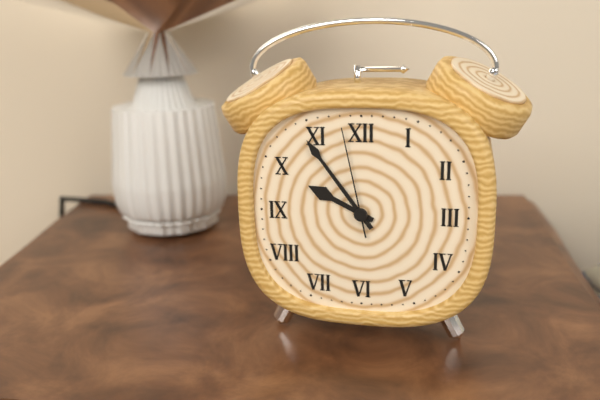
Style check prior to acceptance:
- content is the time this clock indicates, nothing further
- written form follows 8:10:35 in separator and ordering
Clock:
9:54:58
